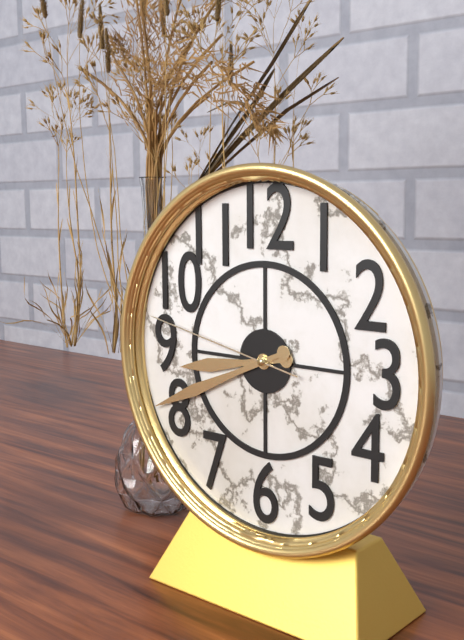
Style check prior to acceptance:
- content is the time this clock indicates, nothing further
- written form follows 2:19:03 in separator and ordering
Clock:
8:41:47
